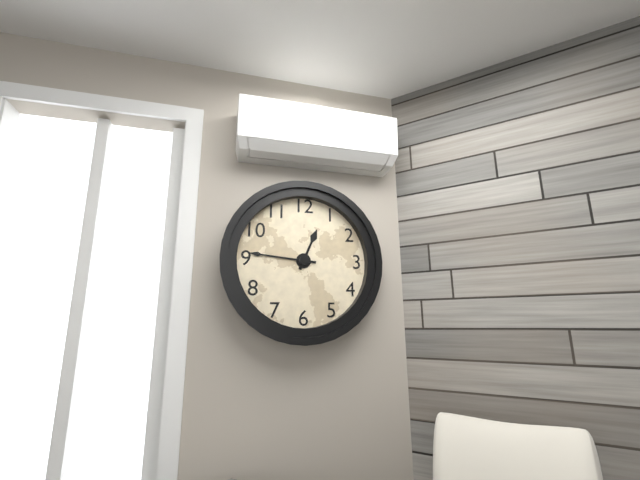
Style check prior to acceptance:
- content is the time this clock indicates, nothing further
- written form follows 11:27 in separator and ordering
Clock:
12:46
